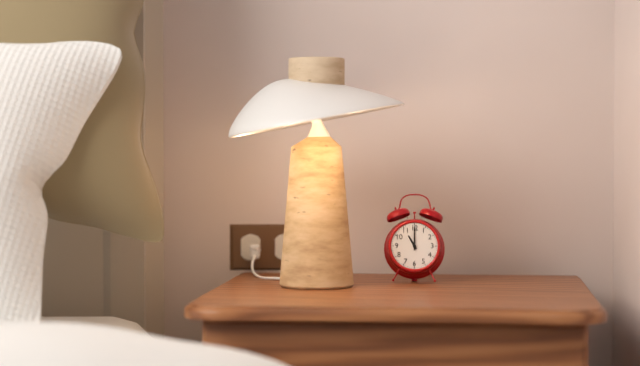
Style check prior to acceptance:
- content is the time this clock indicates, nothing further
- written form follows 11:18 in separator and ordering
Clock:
11:00
